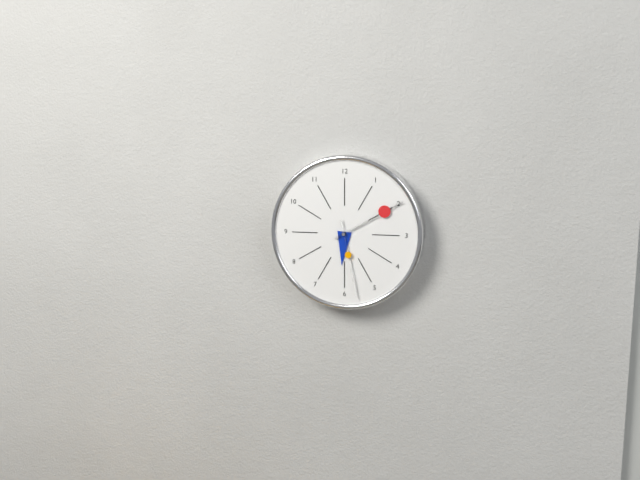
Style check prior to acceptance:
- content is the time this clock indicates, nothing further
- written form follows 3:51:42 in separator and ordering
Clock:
6:10:28
